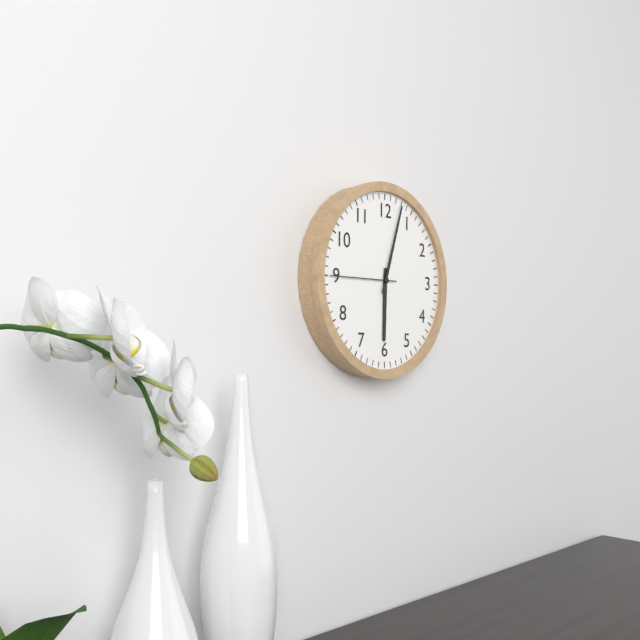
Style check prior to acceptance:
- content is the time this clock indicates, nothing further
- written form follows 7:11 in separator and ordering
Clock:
6:03
